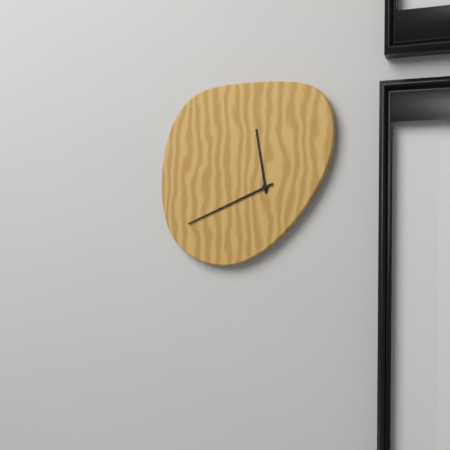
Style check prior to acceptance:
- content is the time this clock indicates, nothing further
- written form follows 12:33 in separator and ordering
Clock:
11:41
